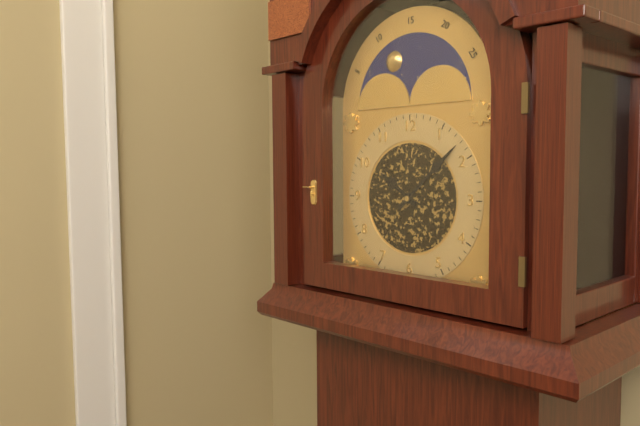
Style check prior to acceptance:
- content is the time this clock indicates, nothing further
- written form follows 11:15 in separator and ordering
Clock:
10:08
